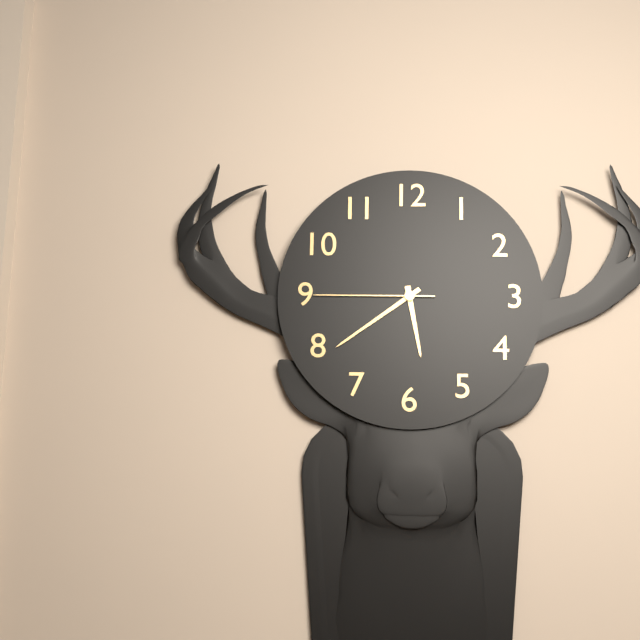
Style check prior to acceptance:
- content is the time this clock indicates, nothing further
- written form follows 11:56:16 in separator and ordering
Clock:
5:39:45
